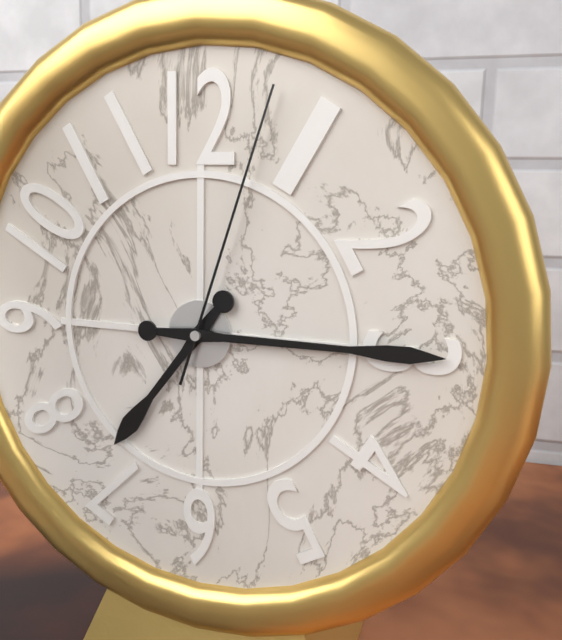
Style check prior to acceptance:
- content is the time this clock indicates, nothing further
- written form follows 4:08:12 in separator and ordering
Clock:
7:15:03
